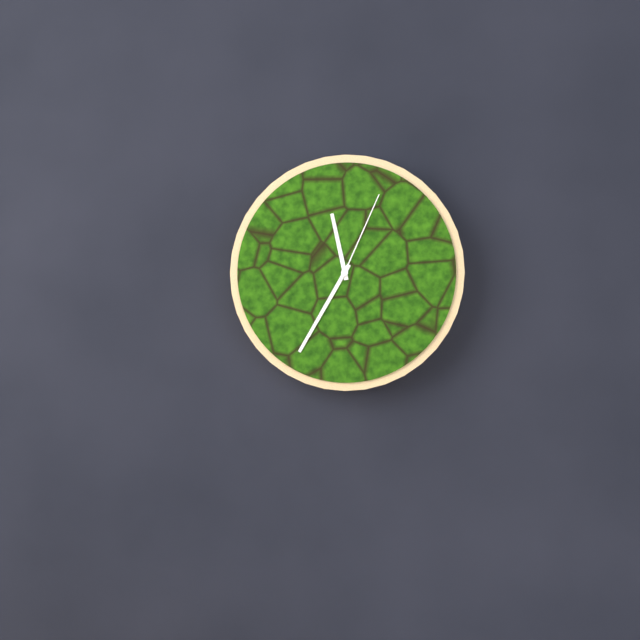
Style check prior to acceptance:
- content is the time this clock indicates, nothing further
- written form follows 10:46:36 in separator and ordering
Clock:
11:35:04
